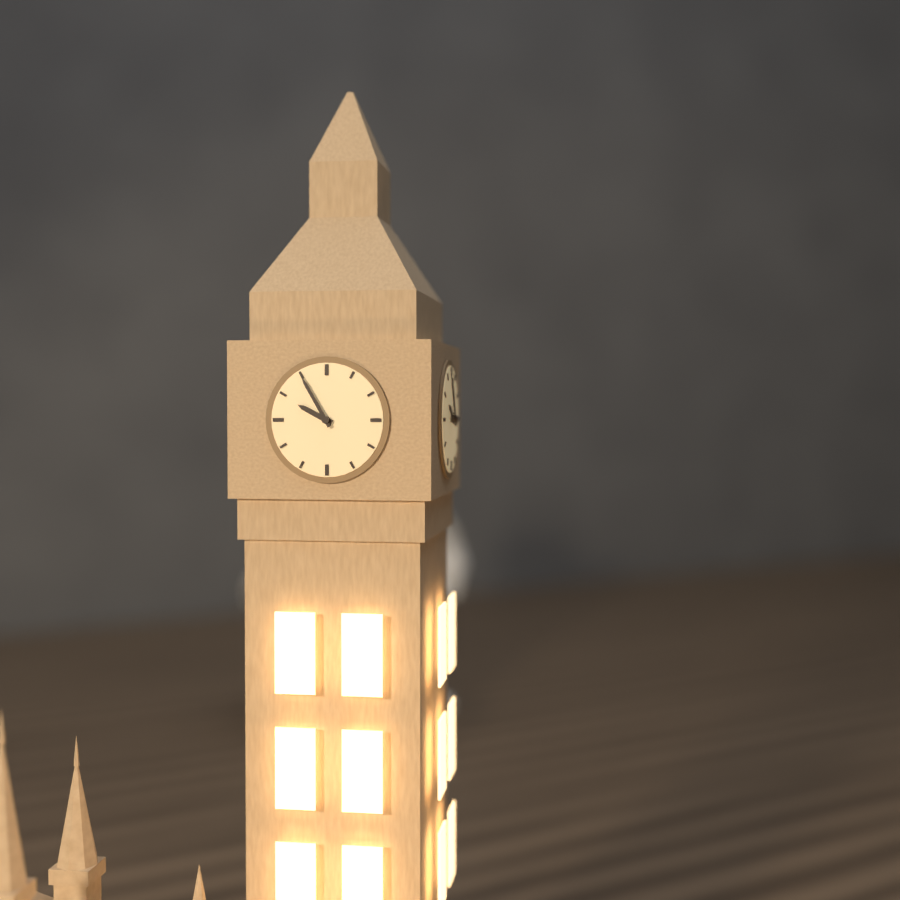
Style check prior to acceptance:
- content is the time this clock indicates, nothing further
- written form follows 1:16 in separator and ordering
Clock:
9:55
